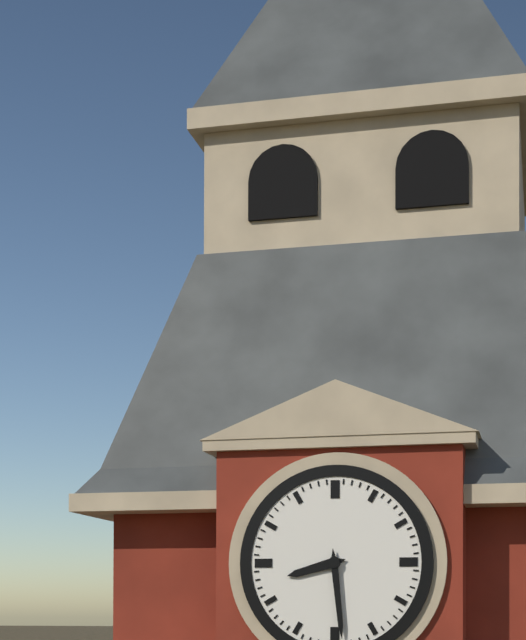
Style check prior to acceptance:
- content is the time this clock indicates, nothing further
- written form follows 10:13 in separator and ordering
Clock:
8:29
